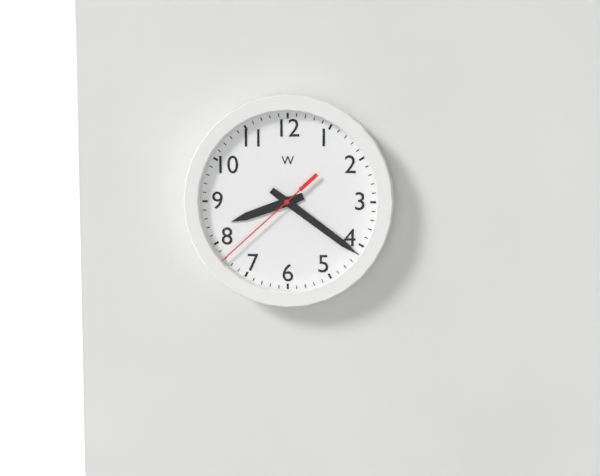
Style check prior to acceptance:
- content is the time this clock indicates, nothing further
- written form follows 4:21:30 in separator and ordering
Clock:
8:21:38
